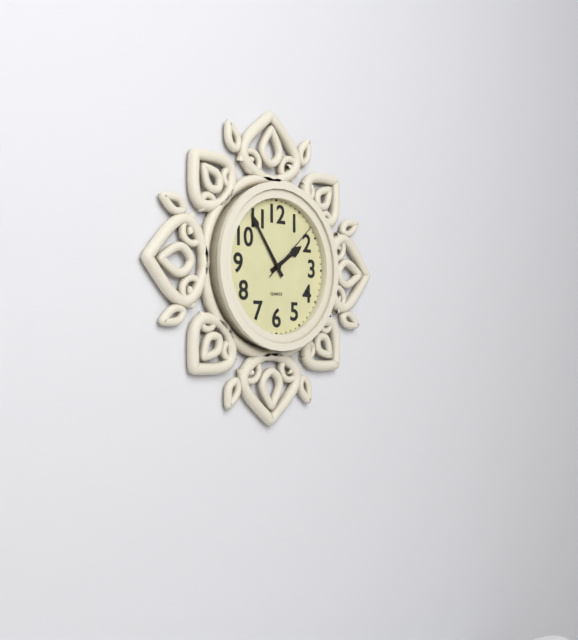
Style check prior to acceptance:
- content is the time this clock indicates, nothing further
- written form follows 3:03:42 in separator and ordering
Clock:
1:54:08
